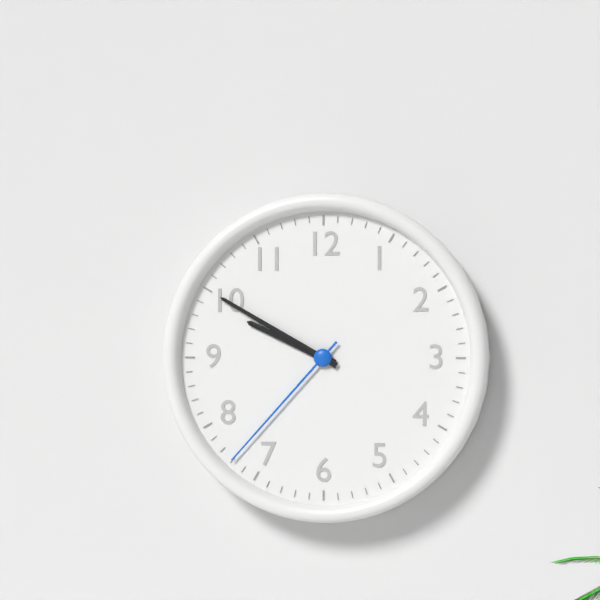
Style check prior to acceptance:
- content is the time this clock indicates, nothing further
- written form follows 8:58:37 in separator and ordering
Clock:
9:50:37
